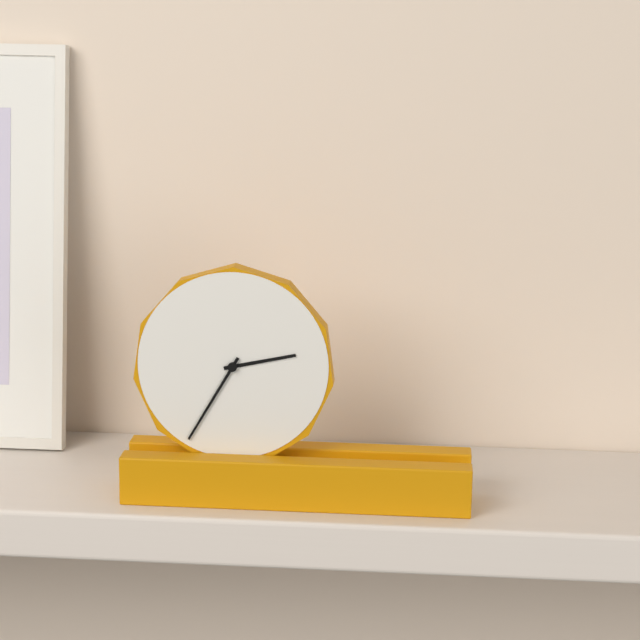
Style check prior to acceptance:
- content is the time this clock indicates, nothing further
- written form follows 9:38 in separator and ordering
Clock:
2:35
